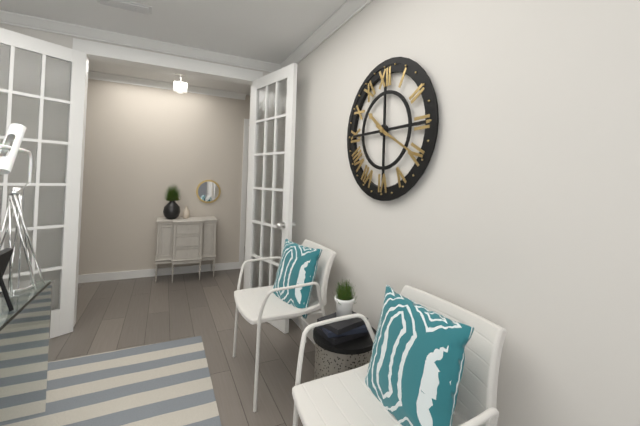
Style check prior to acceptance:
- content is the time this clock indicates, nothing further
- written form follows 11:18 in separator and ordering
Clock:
10:20
